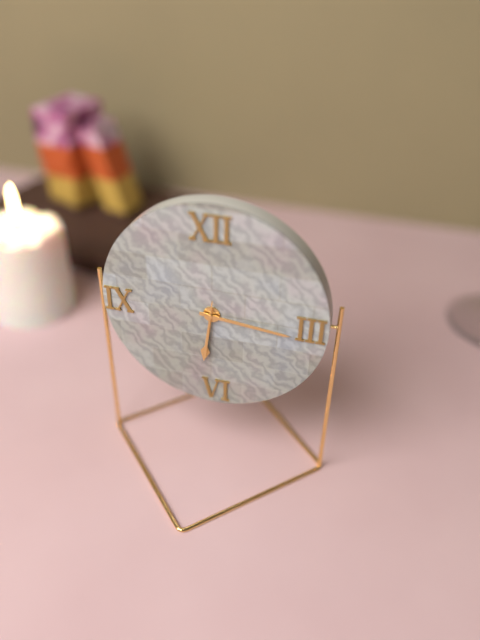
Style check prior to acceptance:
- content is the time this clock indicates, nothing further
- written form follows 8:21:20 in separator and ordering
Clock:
6:16:31
